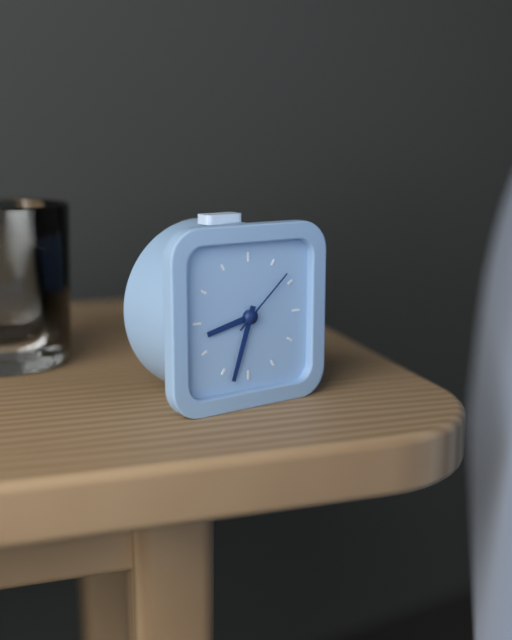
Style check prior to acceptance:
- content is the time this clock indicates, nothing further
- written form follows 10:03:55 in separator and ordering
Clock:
8:33:08
